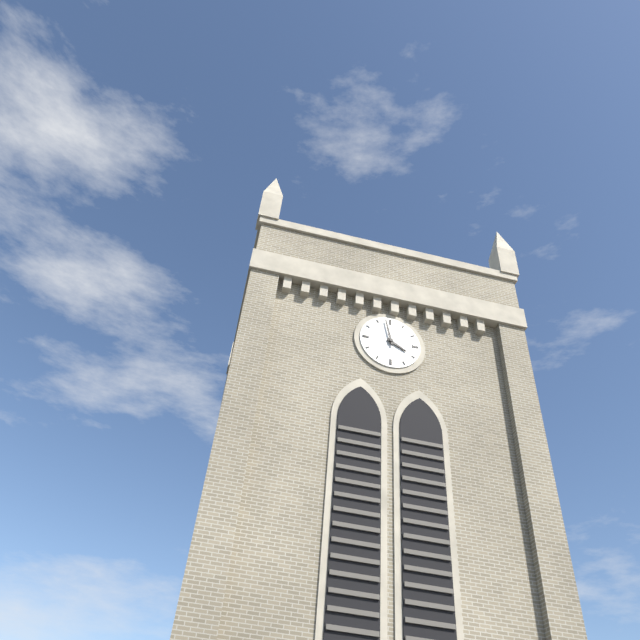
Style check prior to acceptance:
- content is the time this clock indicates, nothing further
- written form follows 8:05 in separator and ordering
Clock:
3:58
